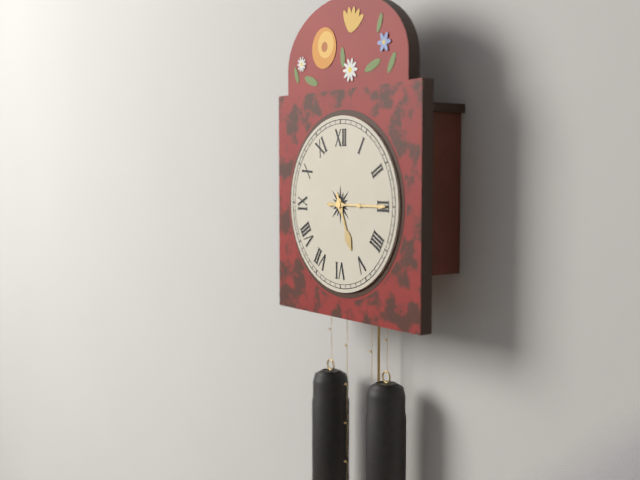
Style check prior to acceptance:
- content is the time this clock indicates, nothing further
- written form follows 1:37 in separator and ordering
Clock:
5:15
